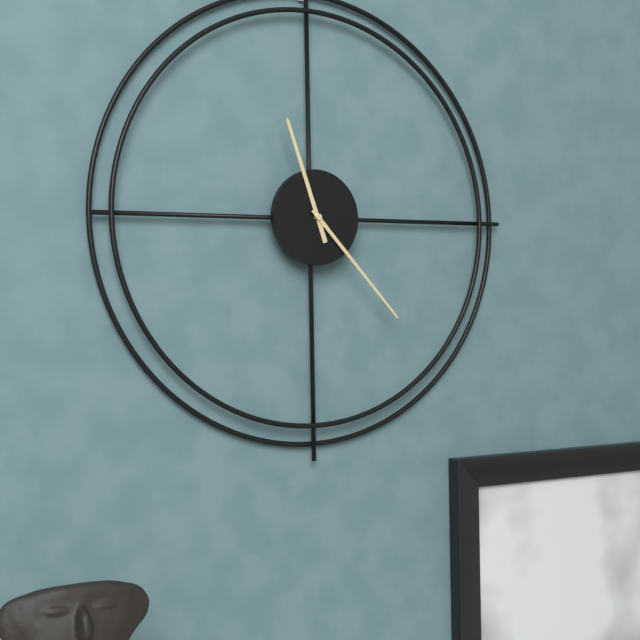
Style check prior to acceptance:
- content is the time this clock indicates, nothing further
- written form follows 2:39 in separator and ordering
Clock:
11:23
